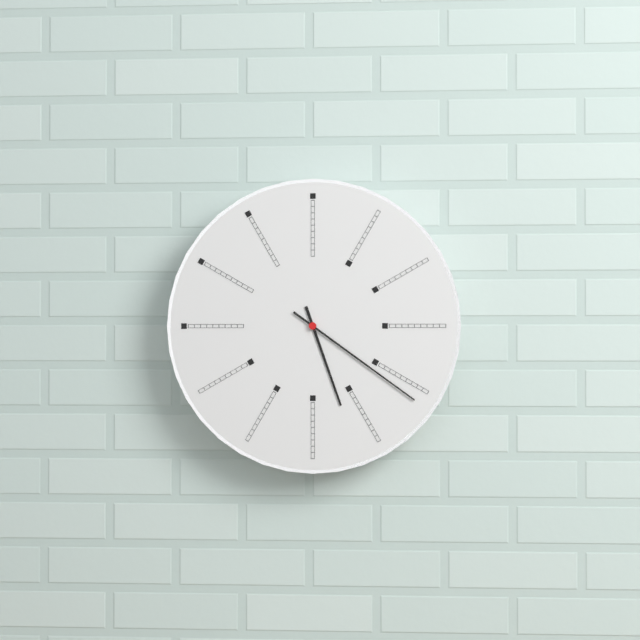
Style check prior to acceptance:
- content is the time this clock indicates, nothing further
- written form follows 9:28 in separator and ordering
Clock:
5:21
